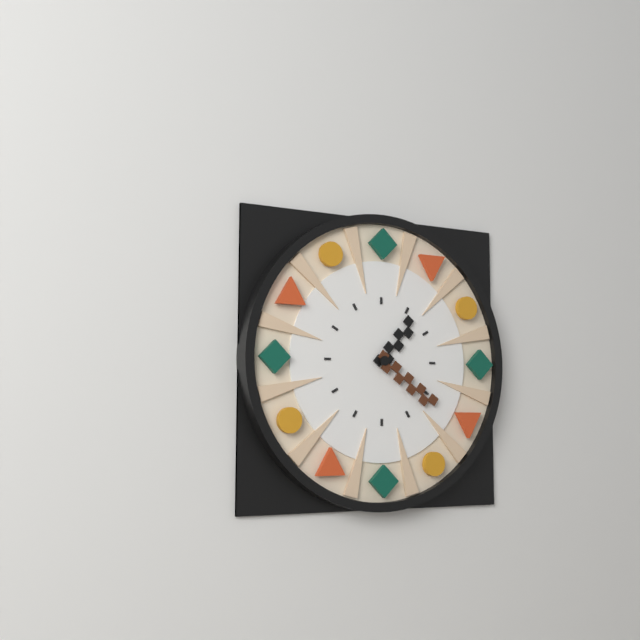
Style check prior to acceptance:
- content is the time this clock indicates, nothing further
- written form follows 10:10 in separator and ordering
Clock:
1:21
